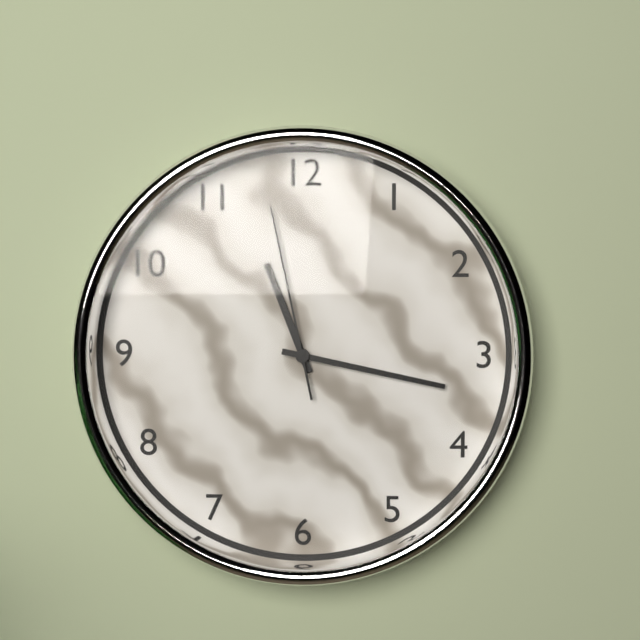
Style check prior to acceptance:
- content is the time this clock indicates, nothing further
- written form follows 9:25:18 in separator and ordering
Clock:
11:17:58
